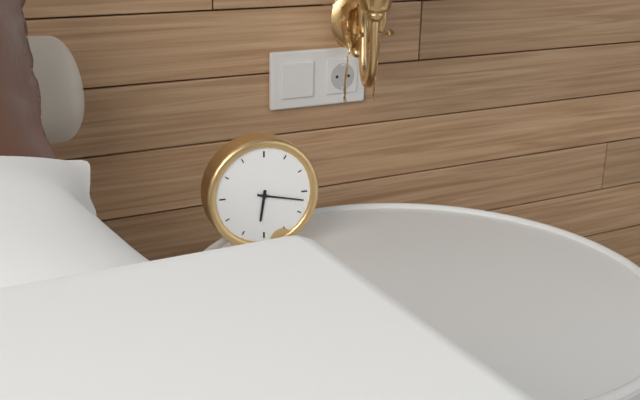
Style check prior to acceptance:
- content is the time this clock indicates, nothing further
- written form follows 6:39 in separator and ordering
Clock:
6:17
